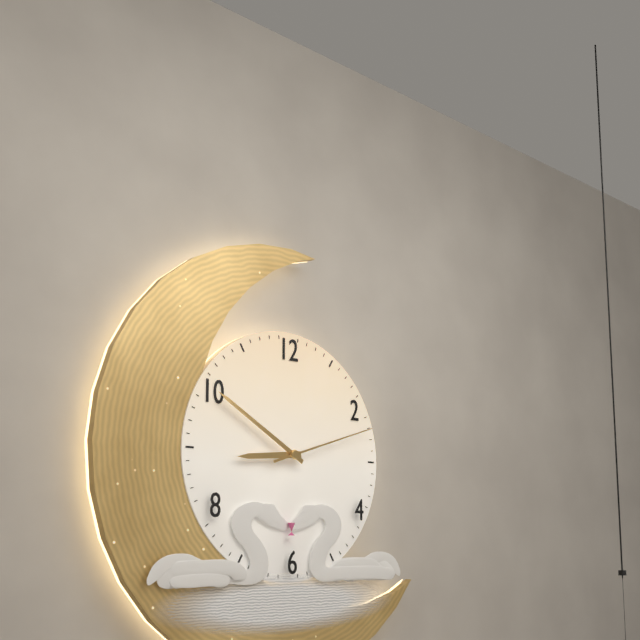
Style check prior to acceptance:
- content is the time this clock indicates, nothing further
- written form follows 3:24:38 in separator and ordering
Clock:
8:50:12
